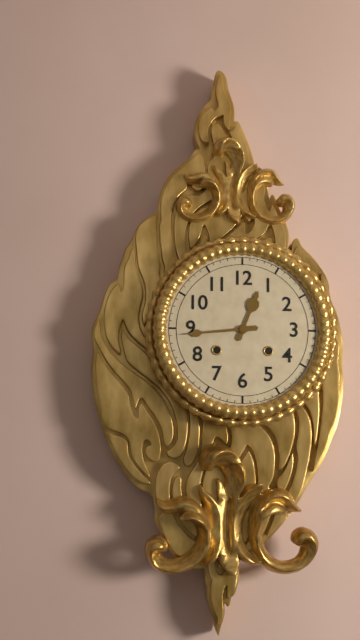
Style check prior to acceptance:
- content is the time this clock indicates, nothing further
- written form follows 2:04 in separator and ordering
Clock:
12:44
